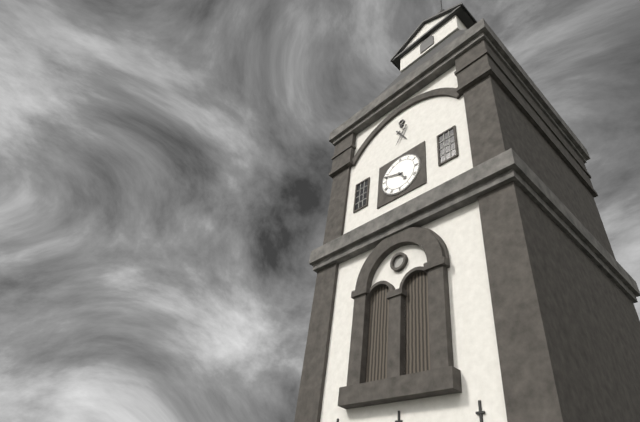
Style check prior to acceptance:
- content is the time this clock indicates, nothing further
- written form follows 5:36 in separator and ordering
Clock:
4:48
